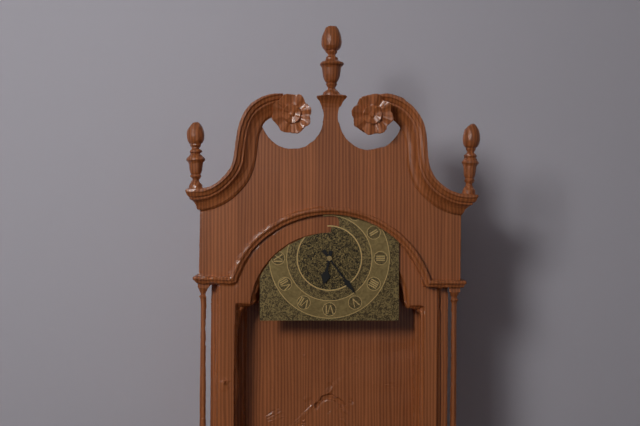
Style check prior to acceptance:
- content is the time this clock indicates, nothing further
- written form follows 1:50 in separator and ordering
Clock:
6:24
